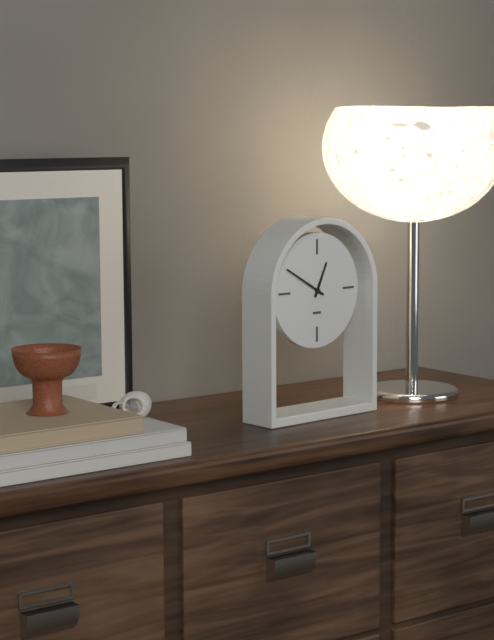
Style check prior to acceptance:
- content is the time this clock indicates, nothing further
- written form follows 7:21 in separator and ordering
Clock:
12:50
